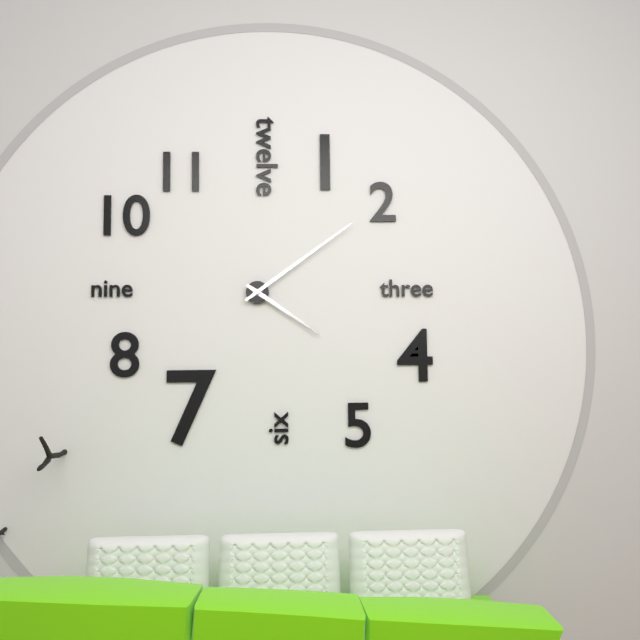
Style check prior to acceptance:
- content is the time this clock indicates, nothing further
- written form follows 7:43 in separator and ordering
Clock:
4:09
